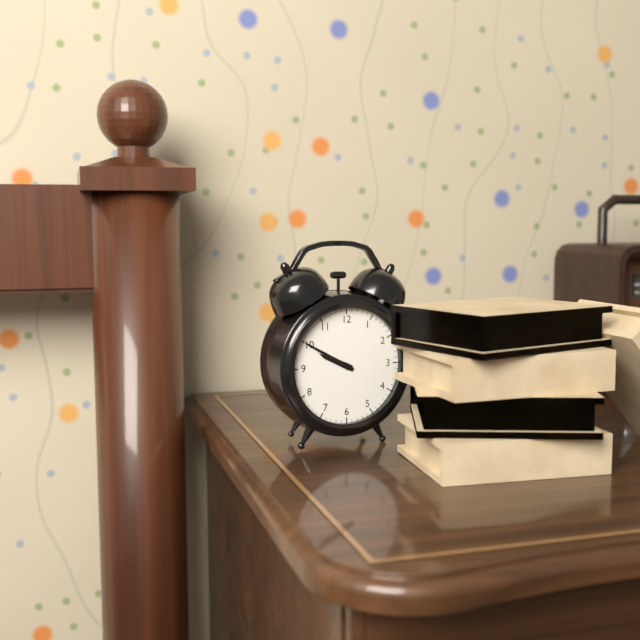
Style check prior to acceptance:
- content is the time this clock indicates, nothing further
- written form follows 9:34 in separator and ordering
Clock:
9:50
